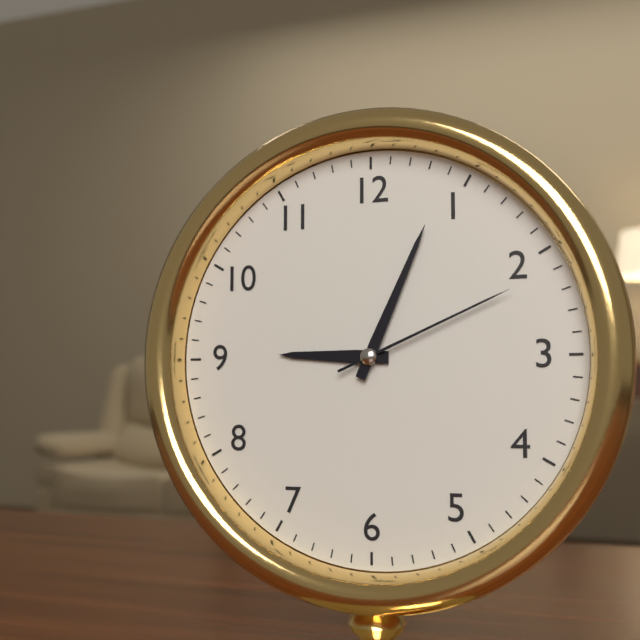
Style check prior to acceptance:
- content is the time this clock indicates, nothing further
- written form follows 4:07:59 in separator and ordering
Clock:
9:04:11
